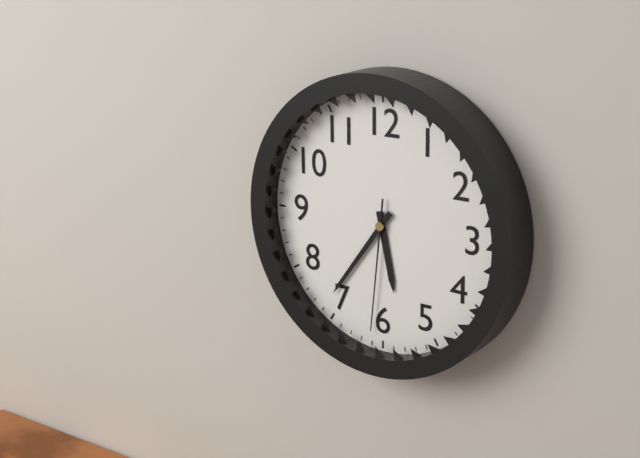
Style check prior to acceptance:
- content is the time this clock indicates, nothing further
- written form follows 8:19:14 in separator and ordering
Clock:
5:36:31
